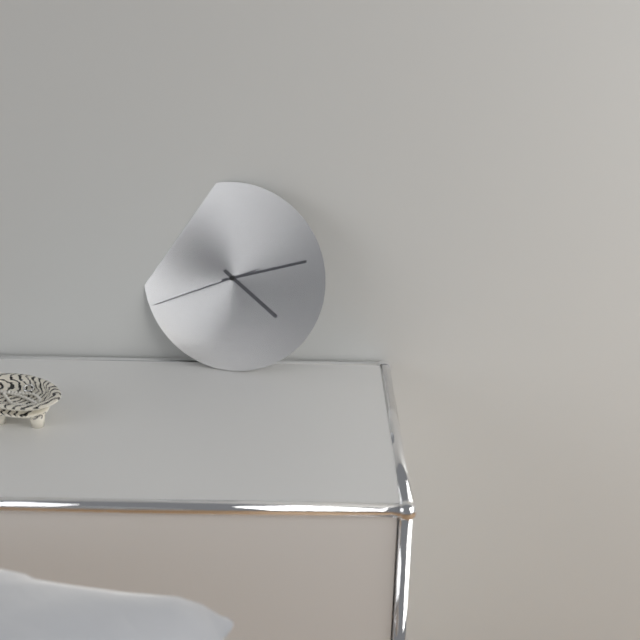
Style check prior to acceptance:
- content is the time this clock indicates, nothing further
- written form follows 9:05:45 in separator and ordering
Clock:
4:12:41
